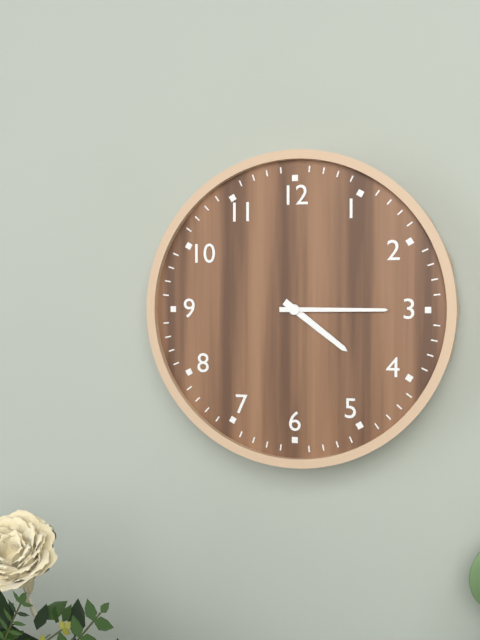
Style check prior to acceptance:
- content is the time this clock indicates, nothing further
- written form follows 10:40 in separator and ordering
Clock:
4:15
